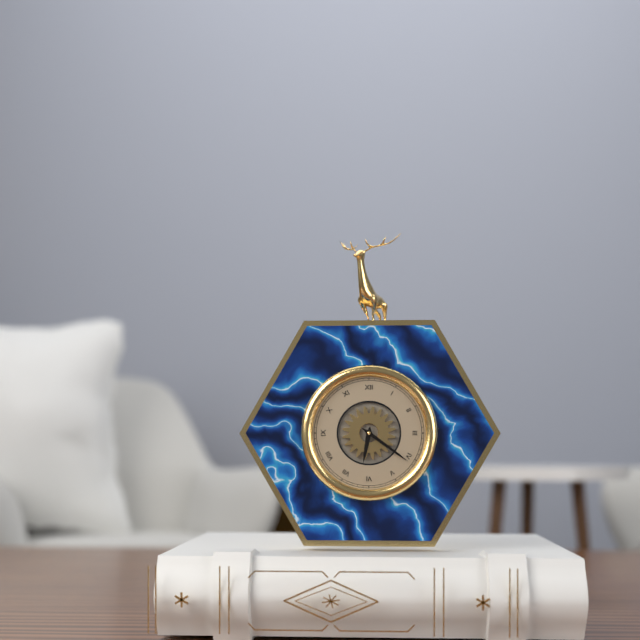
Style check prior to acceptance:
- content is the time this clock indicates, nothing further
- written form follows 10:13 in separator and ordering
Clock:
6:21
